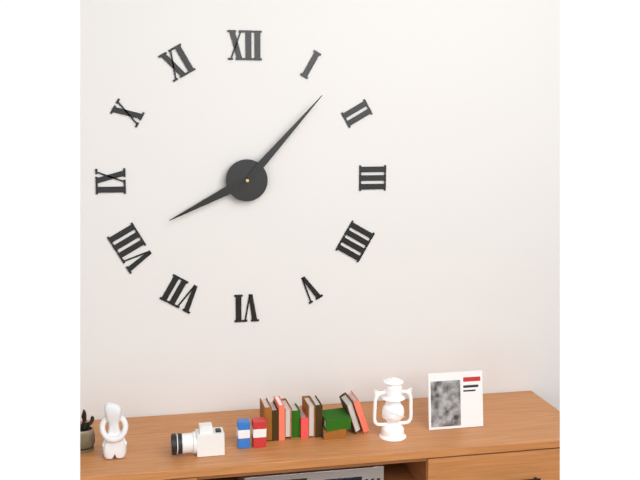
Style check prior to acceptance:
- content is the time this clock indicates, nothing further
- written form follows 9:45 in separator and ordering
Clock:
8:07
